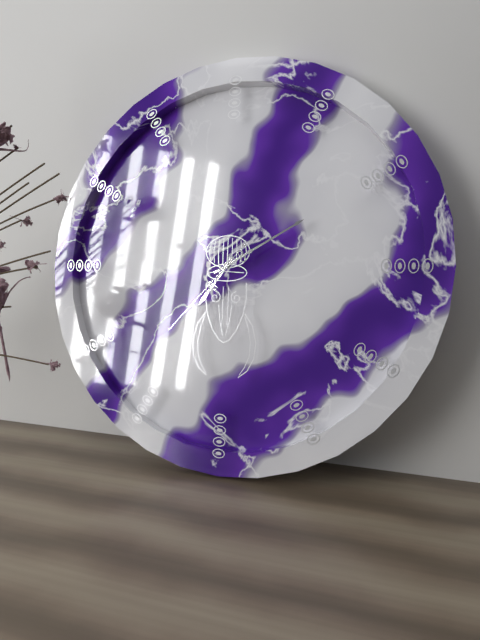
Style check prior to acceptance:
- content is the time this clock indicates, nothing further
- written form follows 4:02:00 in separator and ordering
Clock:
7:10:37
